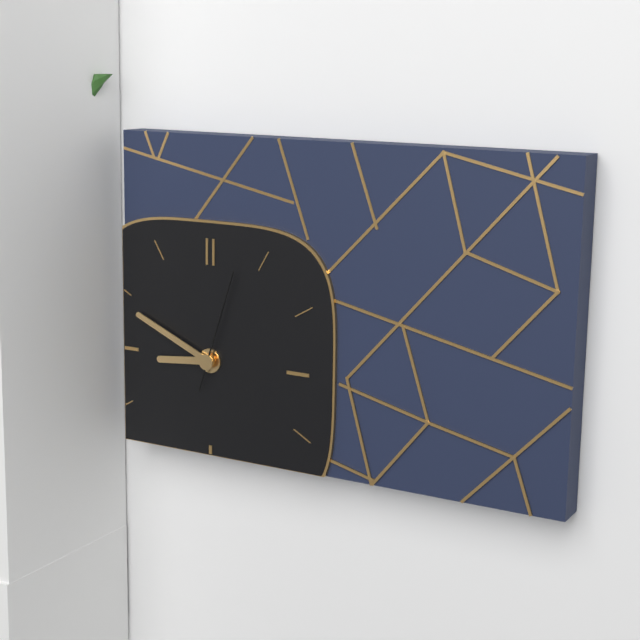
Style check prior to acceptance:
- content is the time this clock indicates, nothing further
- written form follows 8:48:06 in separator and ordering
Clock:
8:49:03
